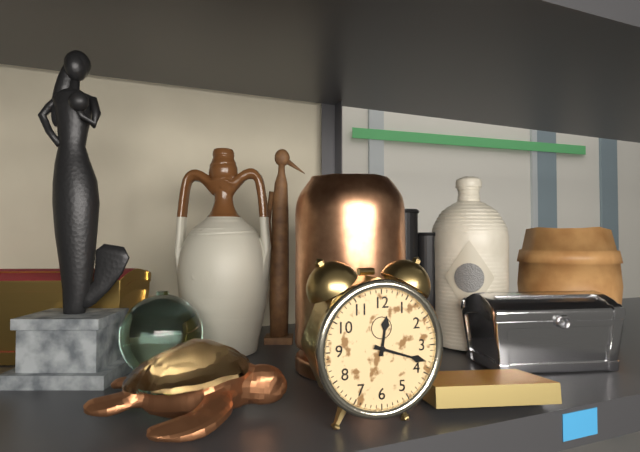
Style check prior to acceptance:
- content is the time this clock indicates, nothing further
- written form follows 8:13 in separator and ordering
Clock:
12:18
